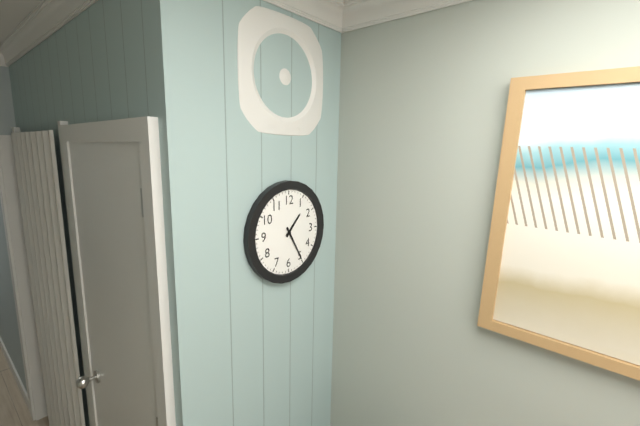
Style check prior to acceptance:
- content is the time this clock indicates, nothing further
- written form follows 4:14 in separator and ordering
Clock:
1:25
